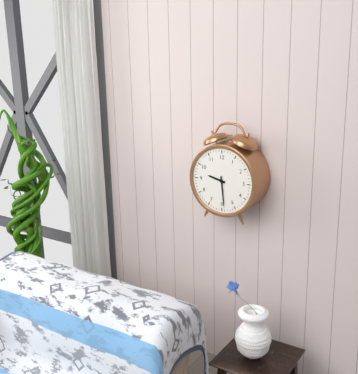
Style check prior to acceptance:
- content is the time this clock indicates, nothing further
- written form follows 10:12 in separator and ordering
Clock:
9:29
